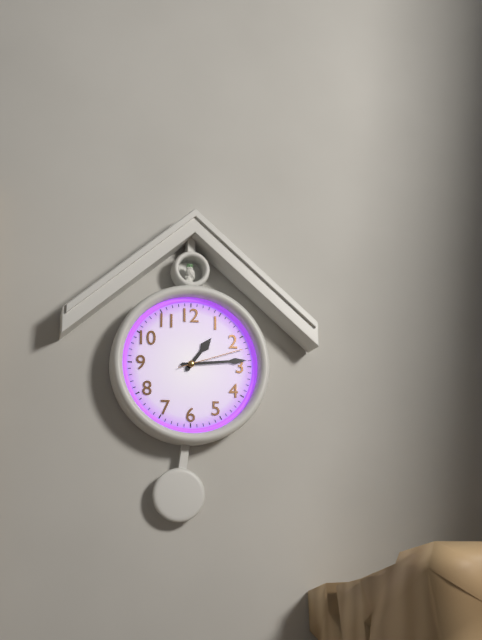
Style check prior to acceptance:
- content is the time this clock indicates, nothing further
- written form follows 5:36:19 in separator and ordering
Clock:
1:14:12
